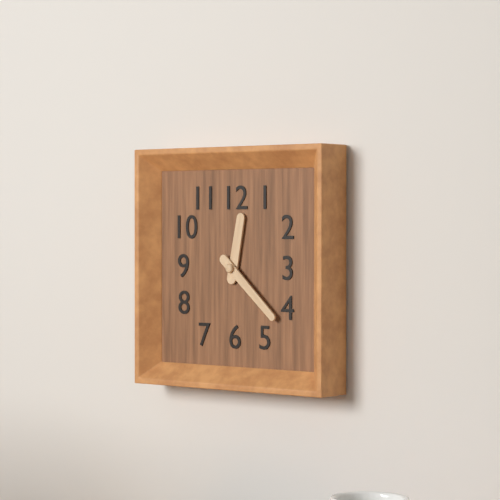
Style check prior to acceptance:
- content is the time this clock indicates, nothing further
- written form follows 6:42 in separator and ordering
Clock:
12:22
